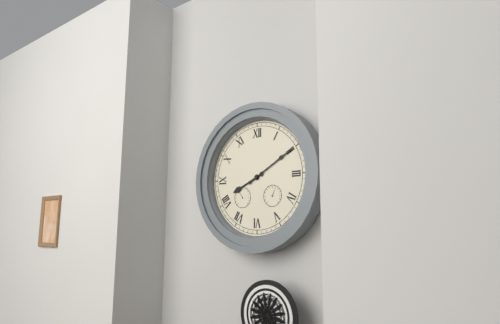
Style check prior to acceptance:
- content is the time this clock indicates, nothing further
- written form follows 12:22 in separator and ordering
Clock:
8:10
